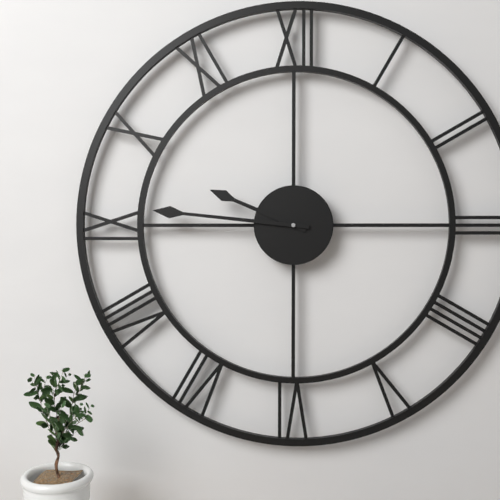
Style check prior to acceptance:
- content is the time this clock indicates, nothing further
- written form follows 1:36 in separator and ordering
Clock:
9:46
